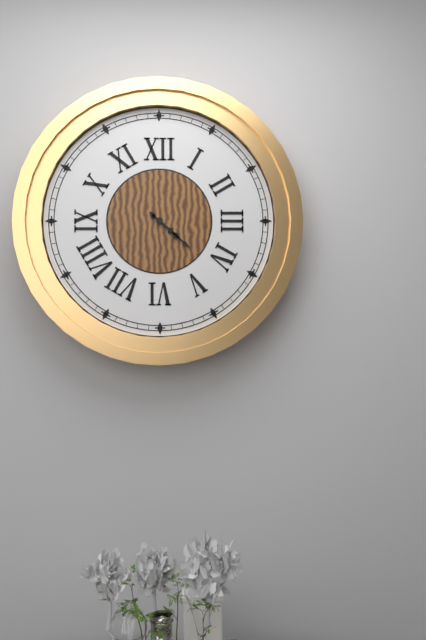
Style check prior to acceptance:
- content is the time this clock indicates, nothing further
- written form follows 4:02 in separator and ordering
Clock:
4:22
